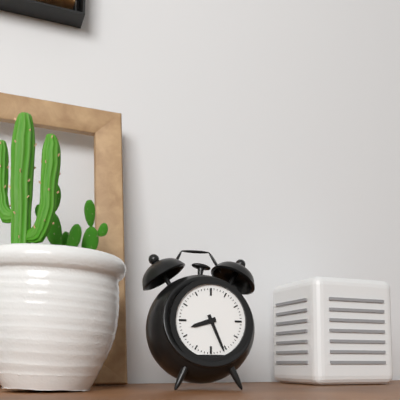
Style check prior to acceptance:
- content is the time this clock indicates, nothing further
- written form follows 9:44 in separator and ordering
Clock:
8:26
